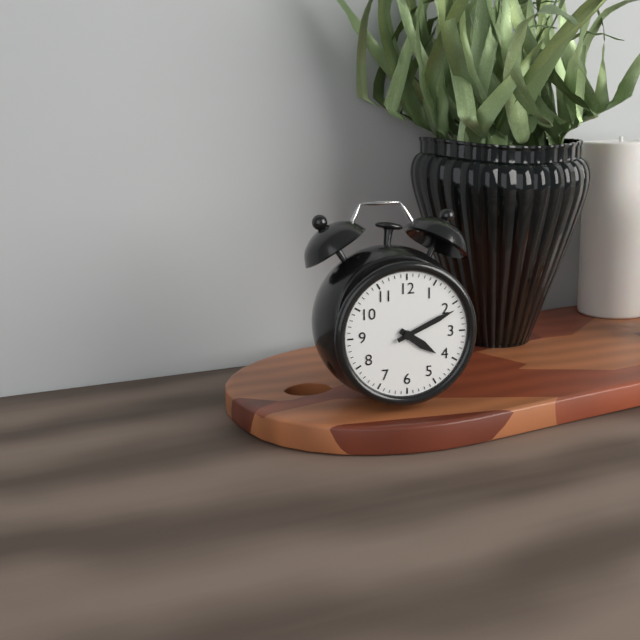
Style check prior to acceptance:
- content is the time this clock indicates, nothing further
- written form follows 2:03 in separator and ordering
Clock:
4:11
